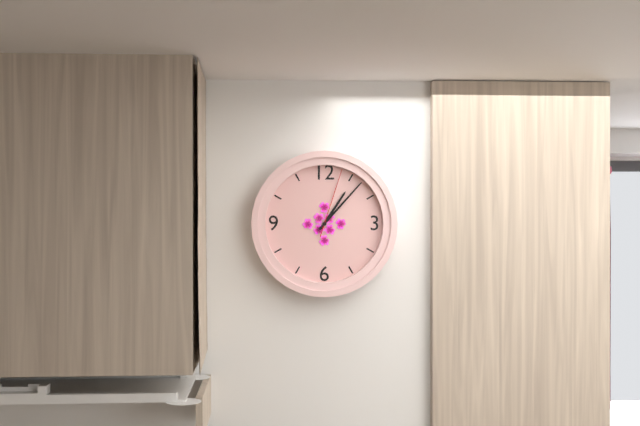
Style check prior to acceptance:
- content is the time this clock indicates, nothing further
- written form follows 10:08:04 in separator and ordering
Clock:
1:07:03
